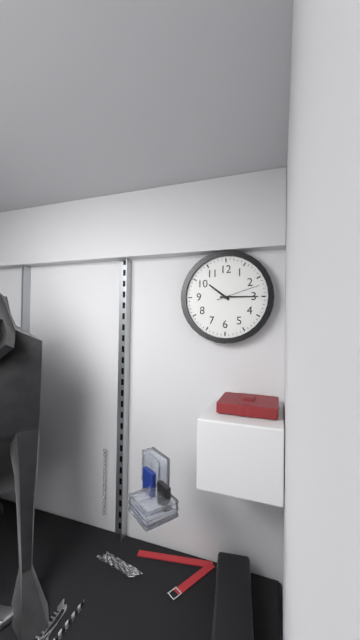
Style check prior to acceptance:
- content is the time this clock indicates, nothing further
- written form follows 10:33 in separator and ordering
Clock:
10:15
